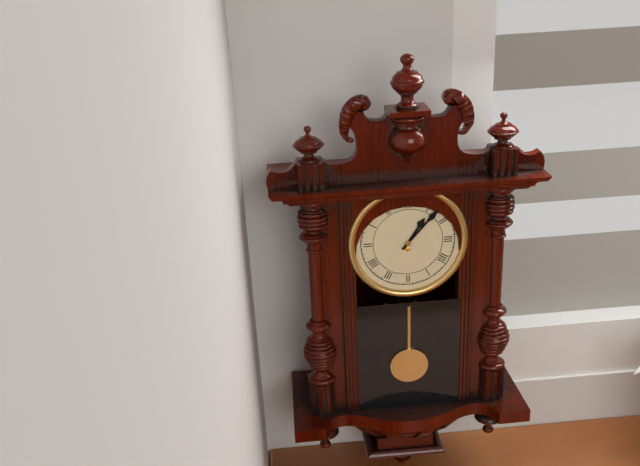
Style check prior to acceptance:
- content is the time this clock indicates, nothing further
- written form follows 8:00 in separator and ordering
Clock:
1:07
